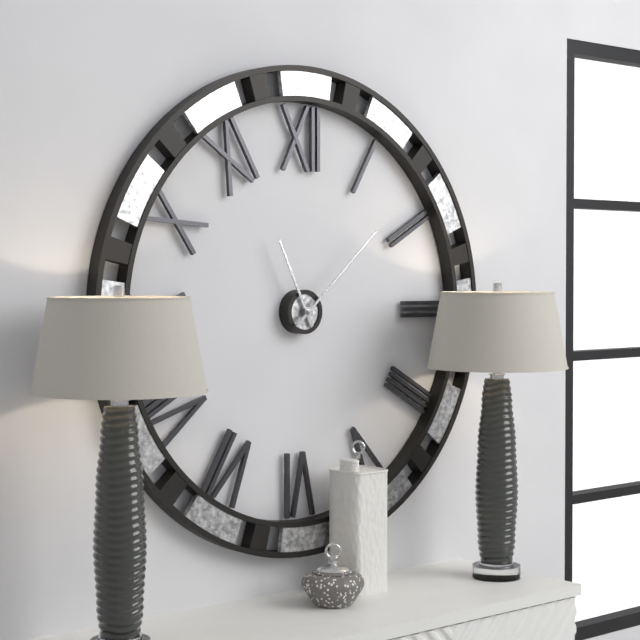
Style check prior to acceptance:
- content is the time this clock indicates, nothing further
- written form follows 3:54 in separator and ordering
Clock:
11:08
